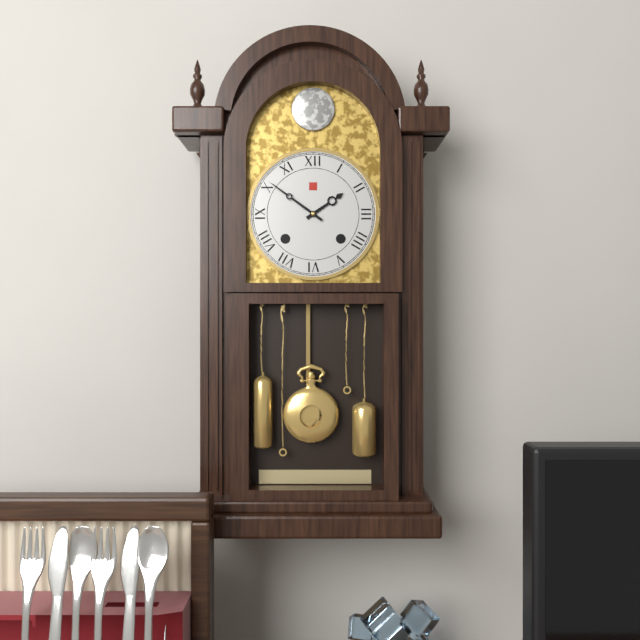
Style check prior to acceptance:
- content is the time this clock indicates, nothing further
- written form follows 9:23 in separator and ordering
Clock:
1:51
